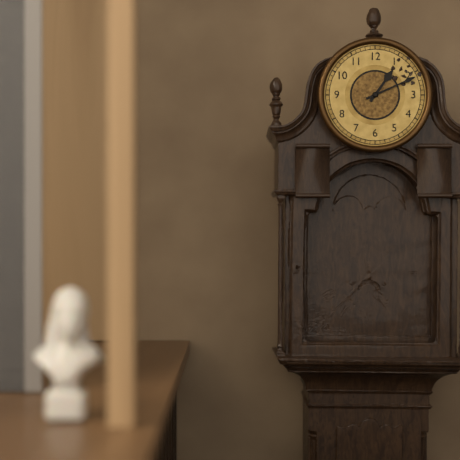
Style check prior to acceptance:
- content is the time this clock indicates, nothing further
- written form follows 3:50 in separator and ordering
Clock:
1:11
